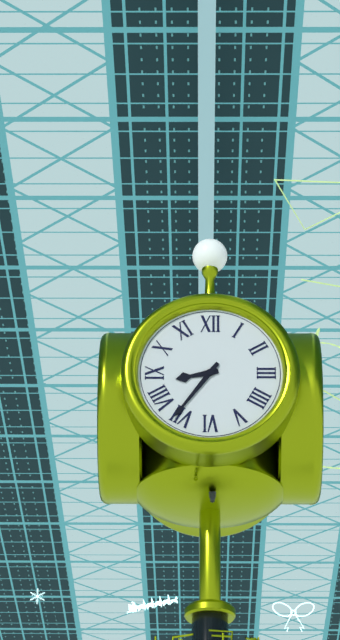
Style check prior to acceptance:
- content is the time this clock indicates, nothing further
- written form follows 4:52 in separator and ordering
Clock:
8:36
